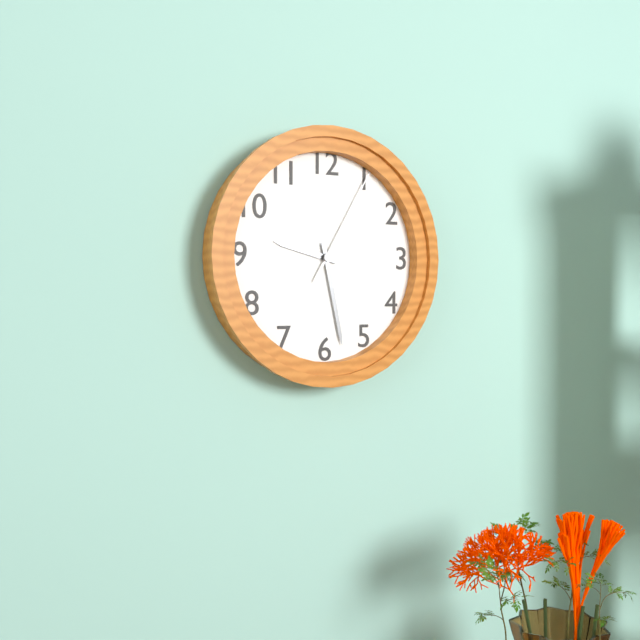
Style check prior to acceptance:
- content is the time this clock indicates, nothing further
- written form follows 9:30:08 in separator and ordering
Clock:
9:28:05
